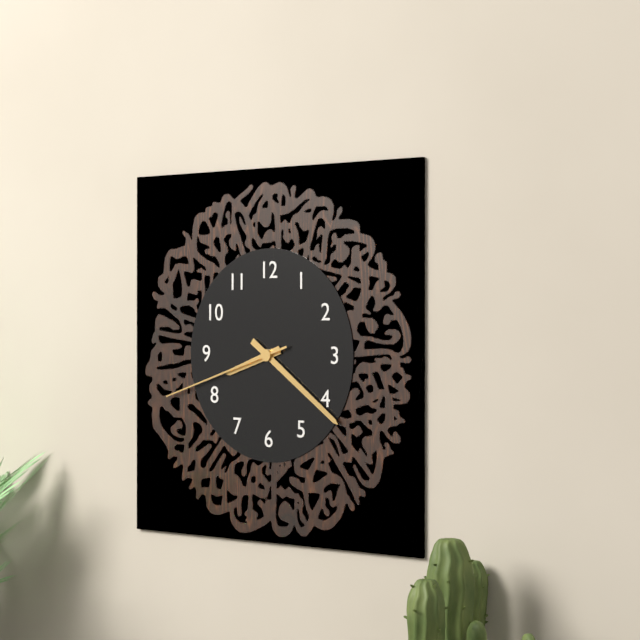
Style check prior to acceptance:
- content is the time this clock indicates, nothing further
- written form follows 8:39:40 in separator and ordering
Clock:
8:21:42
